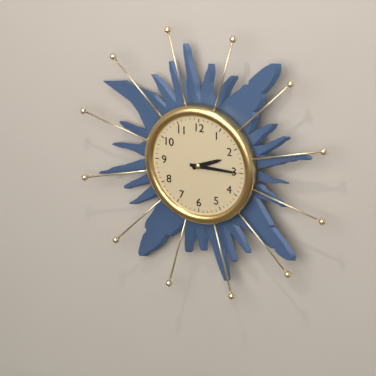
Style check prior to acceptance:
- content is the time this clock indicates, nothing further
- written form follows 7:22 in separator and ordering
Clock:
2:15
